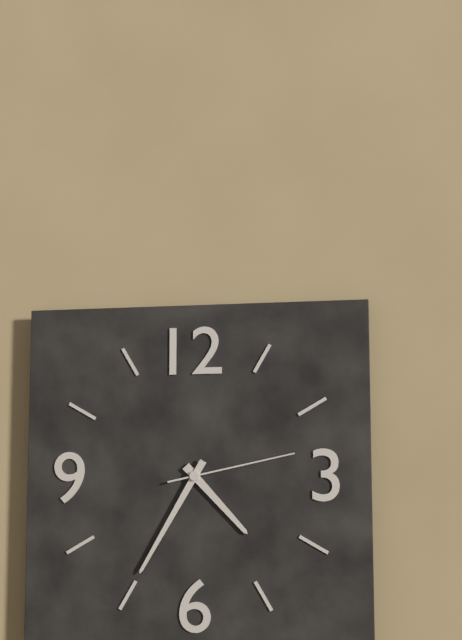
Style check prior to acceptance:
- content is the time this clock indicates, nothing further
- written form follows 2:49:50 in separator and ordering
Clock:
4:35:13
